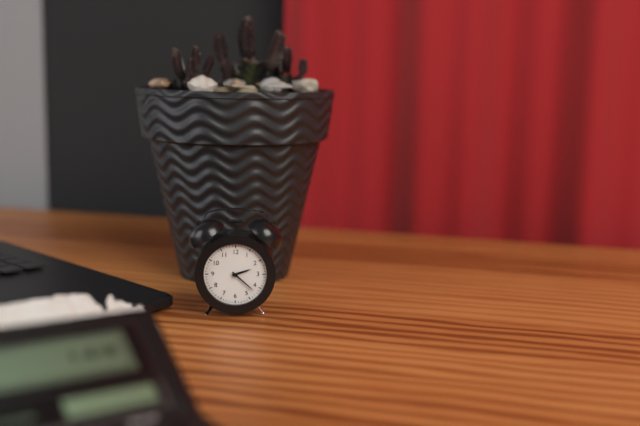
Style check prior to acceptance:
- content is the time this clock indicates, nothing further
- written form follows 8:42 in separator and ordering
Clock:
2:22
